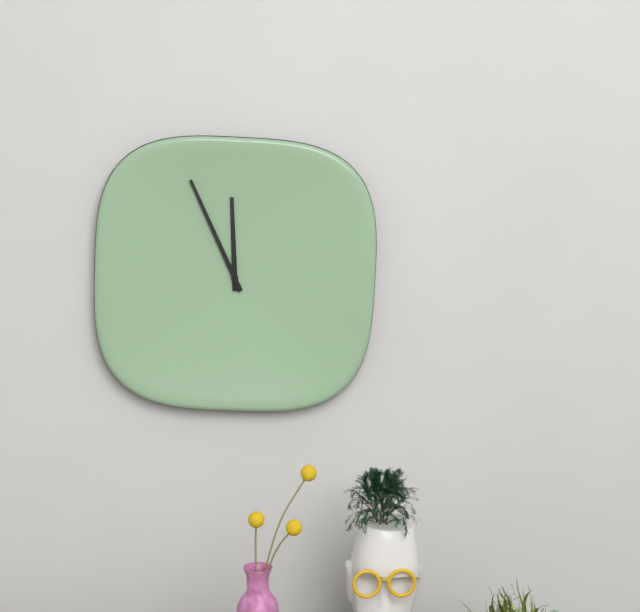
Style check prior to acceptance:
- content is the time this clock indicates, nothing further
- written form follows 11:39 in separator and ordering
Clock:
11:56
